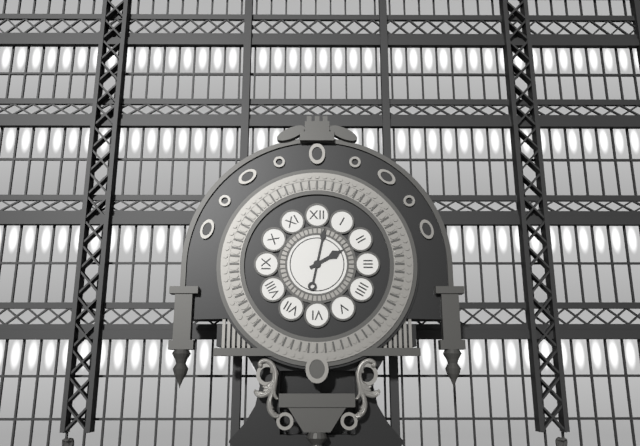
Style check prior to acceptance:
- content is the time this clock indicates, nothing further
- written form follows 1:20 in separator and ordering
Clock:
2:02
